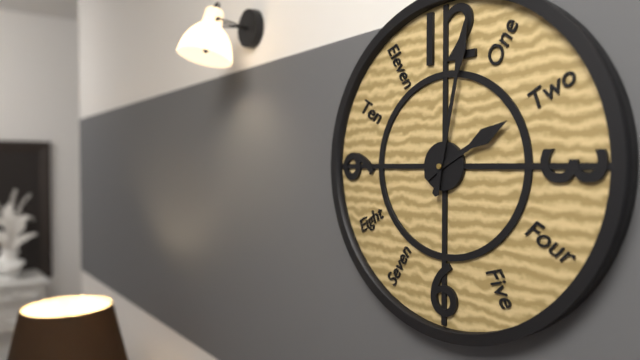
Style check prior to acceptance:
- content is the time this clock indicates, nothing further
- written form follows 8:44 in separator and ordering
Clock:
2:02
